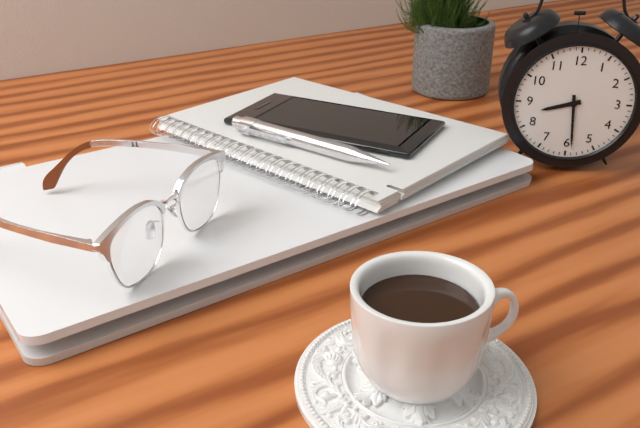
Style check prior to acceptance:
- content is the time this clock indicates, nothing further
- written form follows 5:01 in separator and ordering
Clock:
8:29
